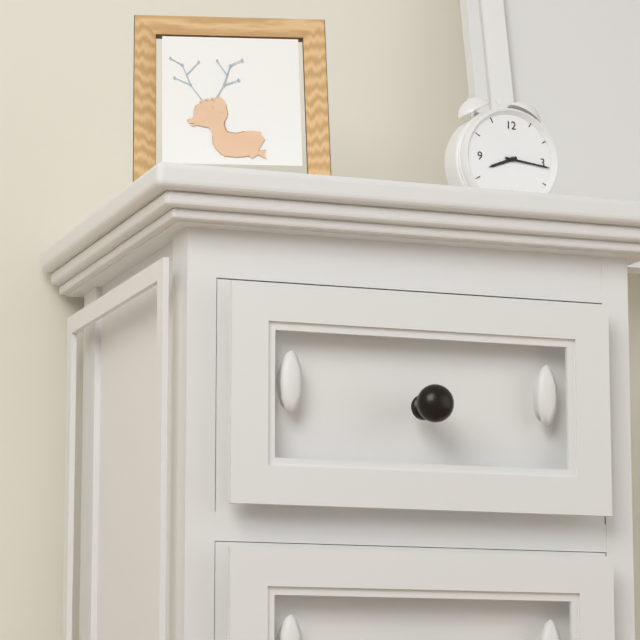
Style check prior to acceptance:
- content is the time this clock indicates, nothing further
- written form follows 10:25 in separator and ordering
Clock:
8:16
